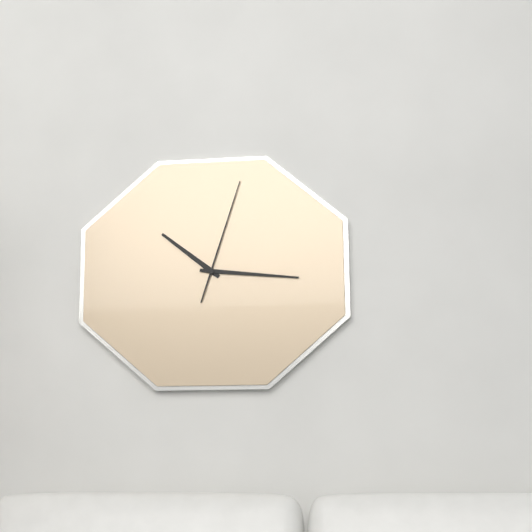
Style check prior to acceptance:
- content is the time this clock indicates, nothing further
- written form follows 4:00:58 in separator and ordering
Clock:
10:16:03
